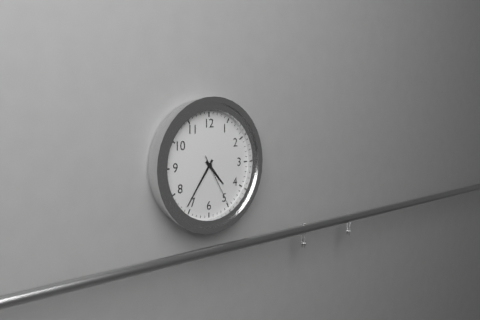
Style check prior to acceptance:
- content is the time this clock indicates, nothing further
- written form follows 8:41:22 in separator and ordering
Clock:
4:36:25
